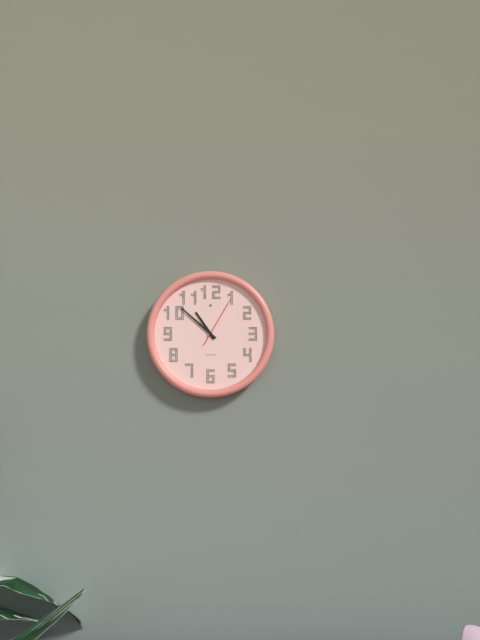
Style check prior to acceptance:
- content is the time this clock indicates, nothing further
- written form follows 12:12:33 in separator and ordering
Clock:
10:52:05
